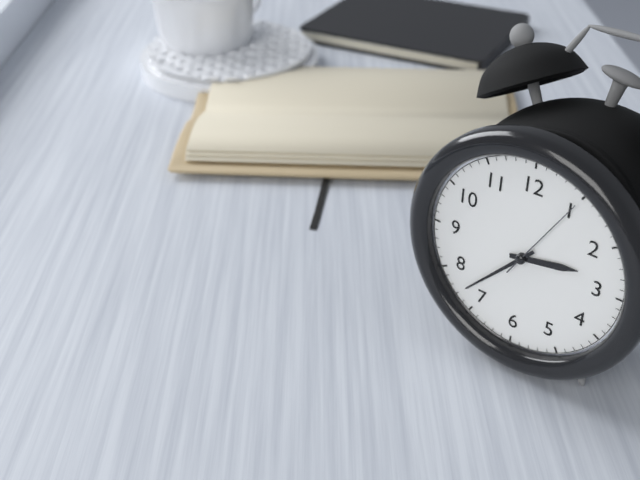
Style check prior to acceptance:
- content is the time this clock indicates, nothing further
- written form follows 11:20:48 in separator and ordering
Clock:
2:37:05
